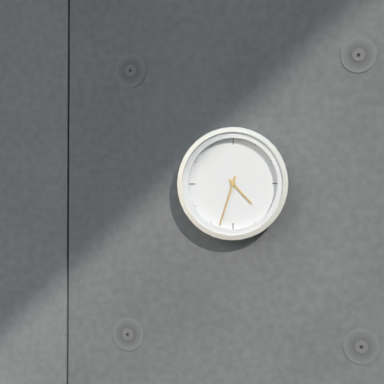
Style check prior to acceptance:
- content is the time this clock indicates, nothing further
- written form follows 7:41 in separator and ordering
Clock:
4:33
